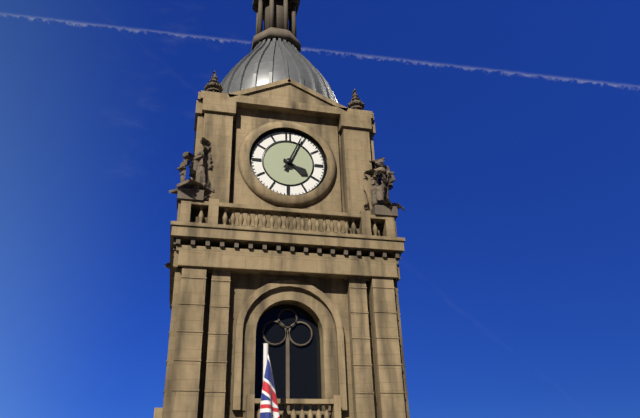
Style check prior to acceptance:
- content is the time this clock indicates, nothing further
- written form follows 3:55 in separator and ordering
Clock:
4:04
